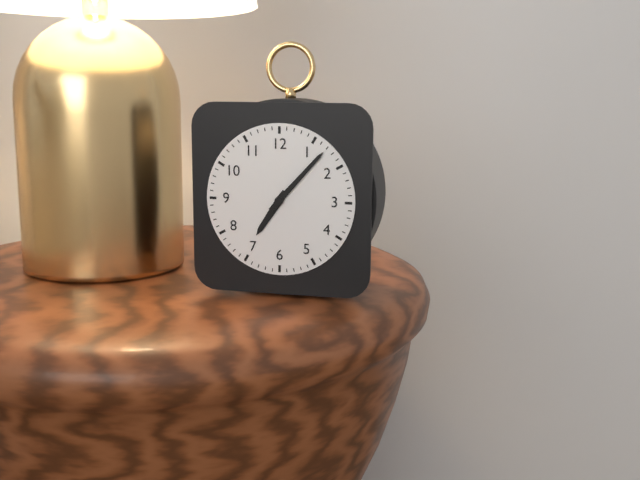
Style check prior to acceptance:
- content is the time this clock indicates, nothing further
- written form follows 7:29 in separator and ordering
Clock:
7:07
